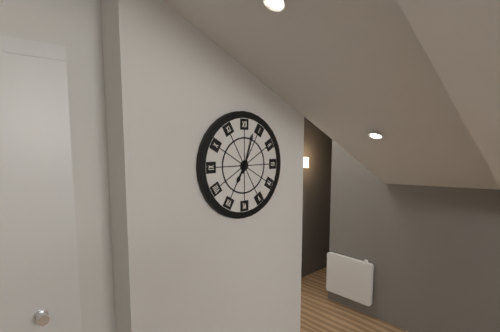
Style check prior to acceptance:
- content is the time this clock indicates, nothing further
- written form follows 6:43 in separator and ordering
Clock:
7:03
